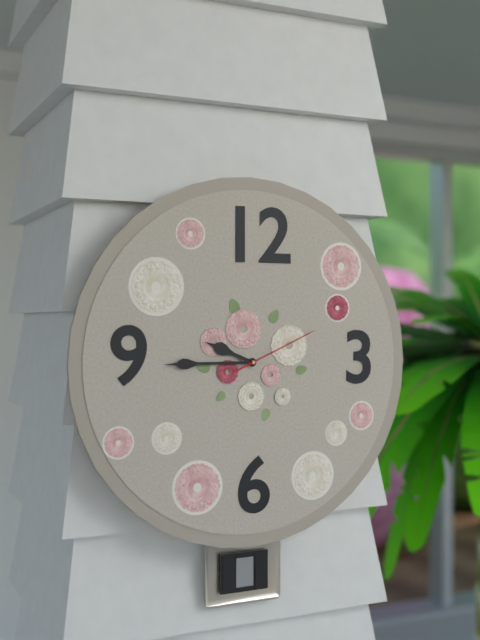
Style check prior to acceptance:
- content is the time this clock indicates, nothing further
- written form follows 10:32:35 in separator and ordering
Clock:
9:45:11
